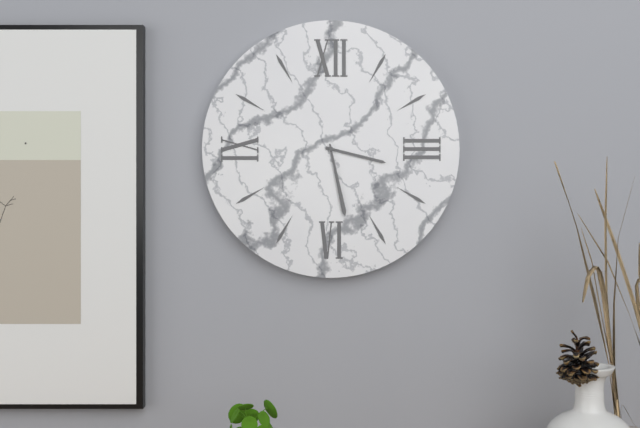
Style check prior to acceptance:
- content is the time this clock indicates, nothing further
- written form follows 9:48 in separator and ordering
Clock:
3:28
